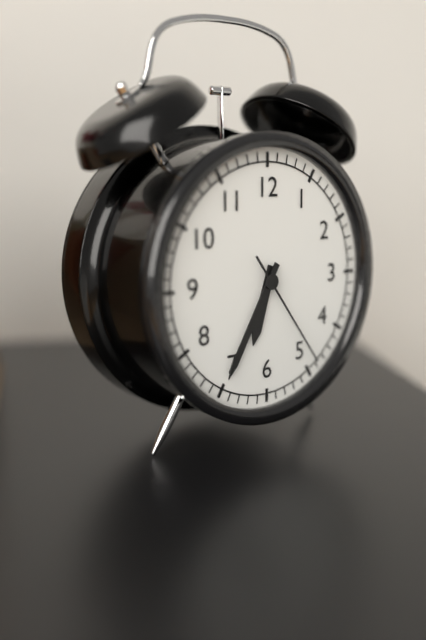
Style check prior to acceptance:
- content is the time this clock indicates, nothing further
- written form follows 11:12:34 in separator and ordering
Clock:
6:35:24
